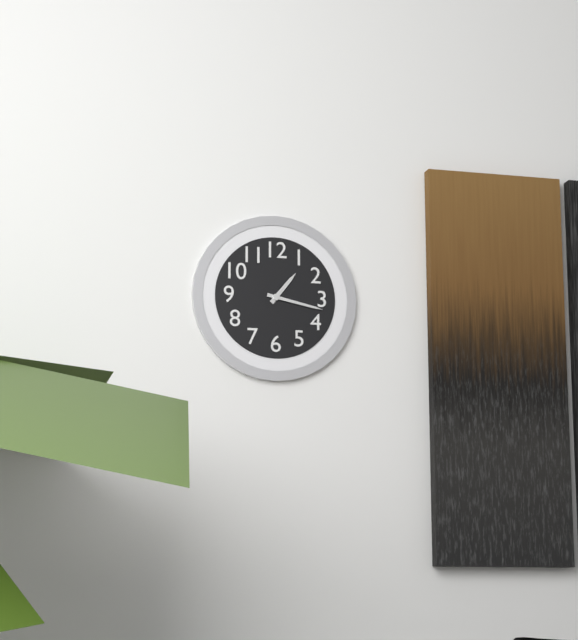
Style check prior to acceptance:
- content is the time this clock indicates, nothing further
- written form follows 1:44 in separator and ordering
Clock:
1:17
